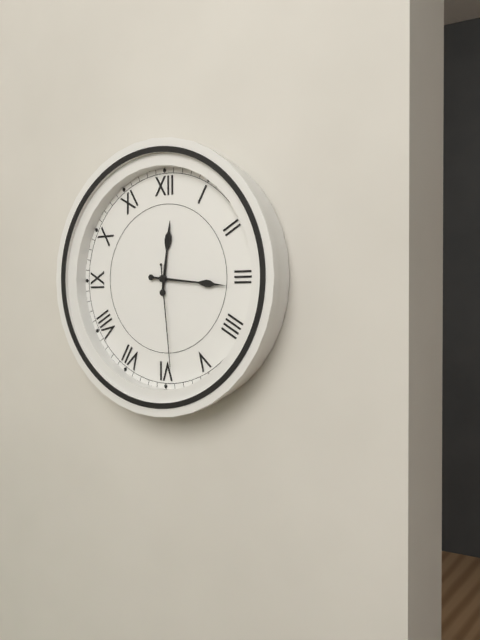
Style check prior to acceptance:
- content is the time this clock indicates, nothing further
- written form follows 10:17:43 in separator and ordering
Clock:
12:16:29
